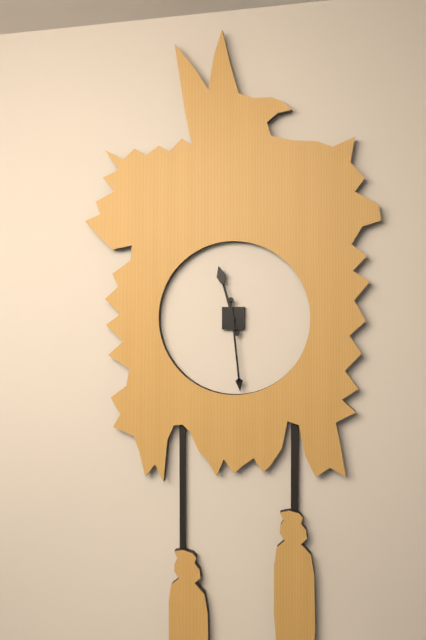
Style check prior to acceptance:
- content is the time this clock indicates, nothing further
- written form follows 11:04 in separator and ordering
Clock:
11:29
